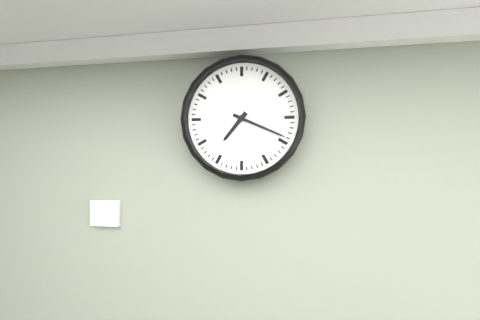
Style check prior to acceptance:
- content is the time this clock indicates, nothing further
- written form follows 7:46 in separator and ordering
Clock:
7:19
